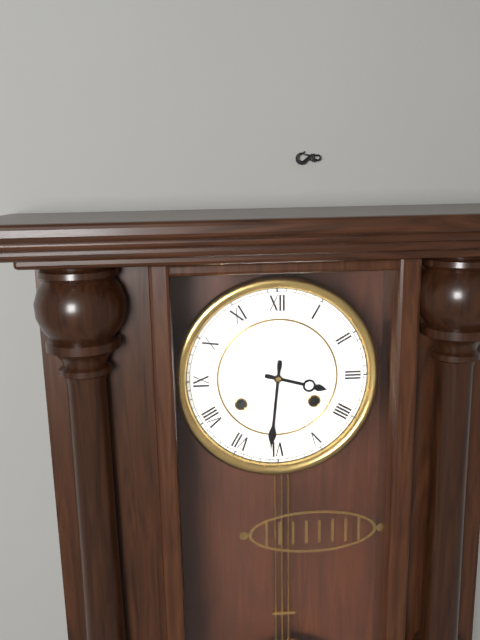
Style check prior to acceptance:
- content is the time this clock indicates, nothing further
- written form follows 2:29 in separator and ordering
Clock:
3:31
